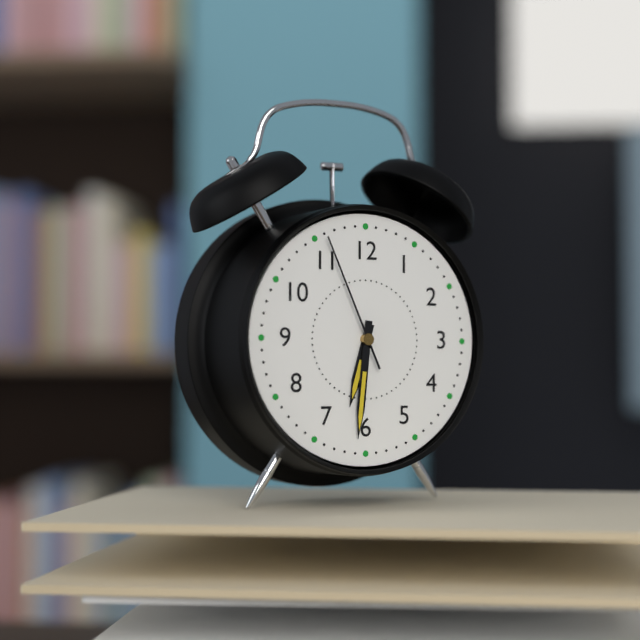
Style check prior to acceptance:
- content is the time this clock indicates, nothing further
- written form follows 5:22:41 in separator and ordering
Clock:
6:31:56
